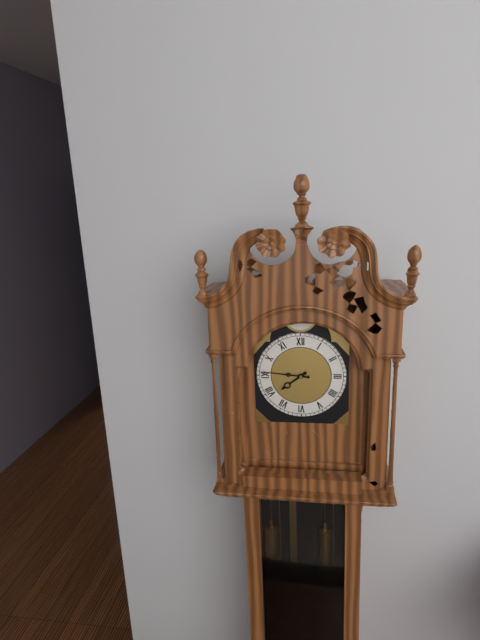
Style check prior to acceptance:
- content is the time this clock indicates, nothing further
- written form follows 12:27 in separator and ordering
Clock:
7:46
